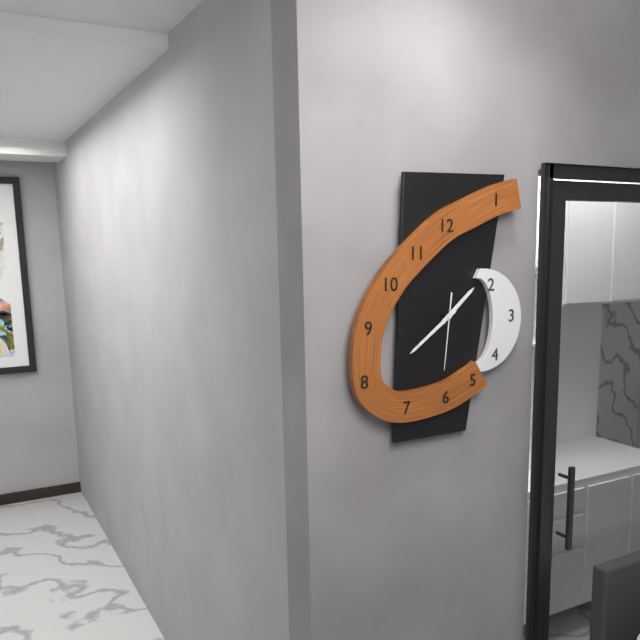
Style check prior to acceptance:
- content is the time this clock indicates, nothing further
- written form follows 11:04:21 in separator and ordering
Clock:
1:39:31
